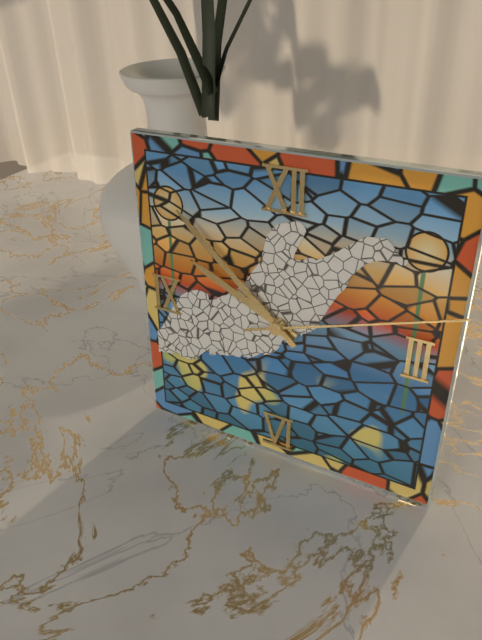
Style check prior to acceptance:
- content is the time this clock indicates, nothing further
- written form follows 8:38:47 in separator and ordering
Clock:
9:52:12
